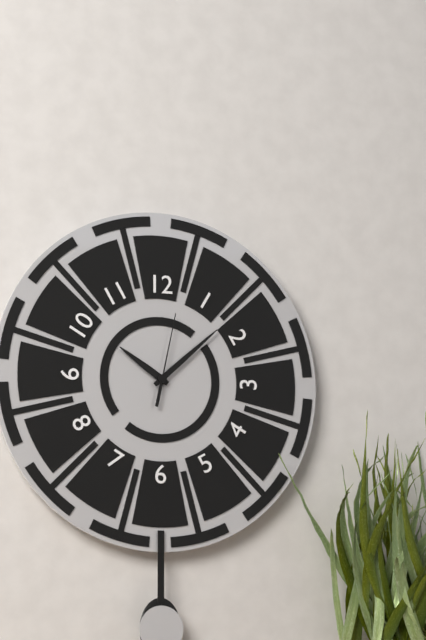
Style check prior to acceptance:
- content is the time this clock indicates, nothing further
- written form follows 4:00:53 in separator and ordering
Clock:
10:08:02
